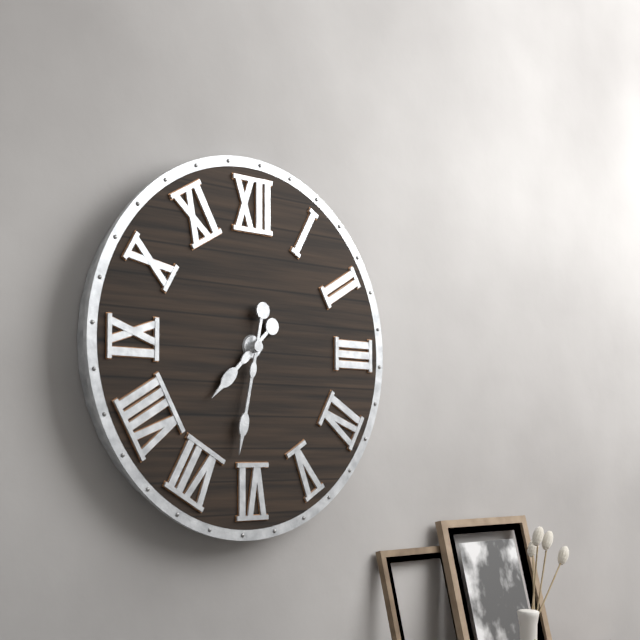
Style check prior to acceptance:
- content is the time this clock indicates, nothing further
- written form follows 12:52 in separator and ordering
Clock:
7:32
